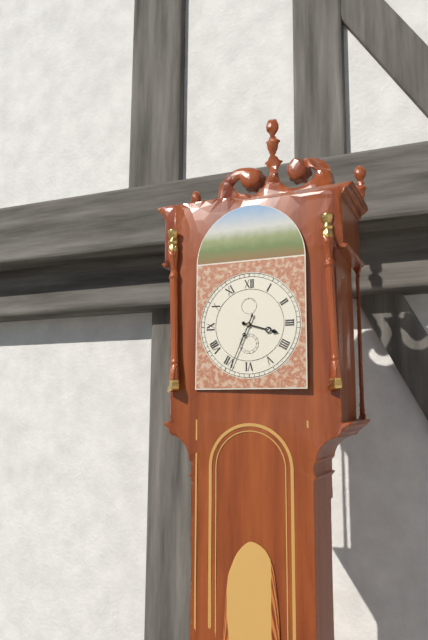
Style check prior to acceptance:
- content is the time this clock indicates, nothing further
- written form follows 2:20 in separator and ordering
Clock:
3:34
